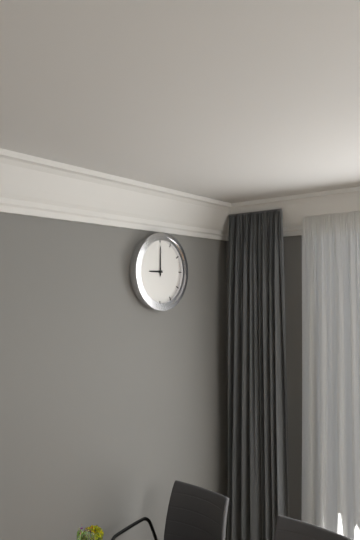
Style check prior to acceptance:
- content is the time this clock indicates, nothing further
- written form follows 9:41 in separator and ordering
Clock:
9:00
